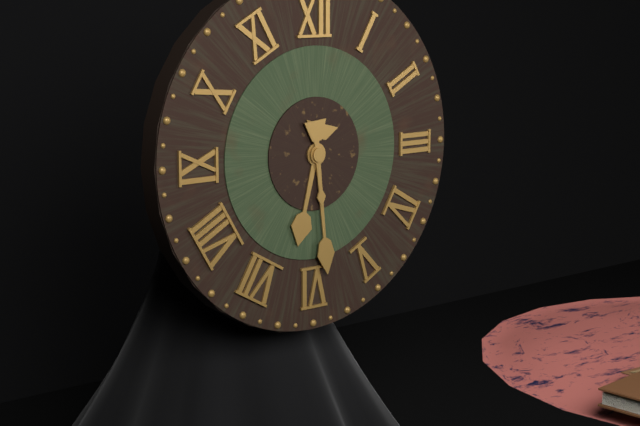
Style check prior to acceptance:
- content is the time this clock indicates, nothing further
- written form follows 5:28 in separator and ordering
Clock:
6:29
